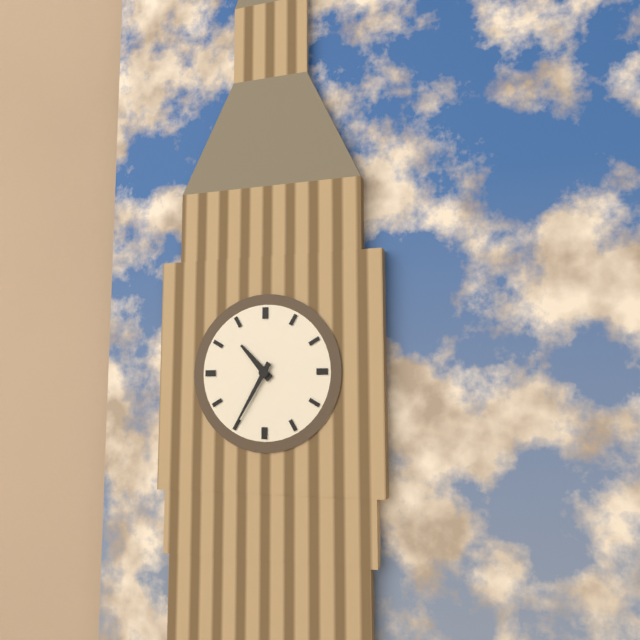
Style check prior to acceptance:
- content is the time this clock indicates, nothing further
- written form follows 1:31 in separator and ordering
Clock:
10:35
